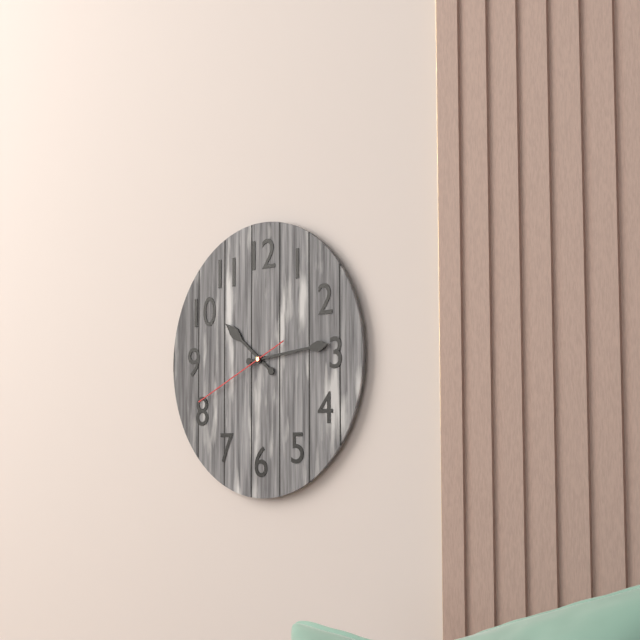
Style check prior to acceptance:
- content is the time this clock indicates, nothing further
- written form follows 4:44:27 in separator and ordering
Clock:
10:14:41
